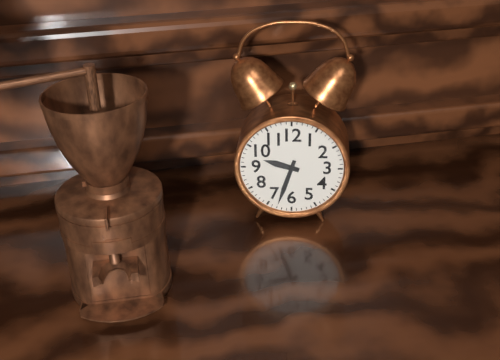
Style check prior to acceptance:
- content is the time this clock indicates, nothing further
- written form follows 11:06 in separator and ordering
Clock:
9:33
